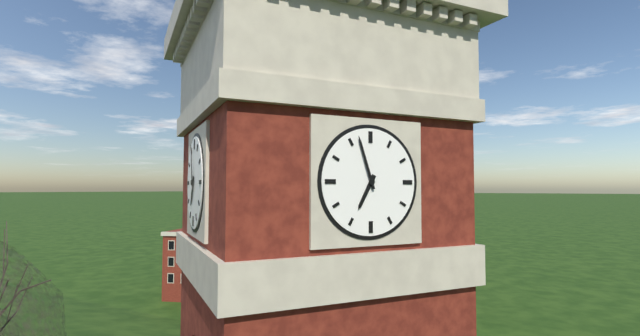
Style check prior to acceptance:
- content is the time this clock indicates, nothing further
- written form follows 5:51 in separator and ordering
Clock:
6:57
